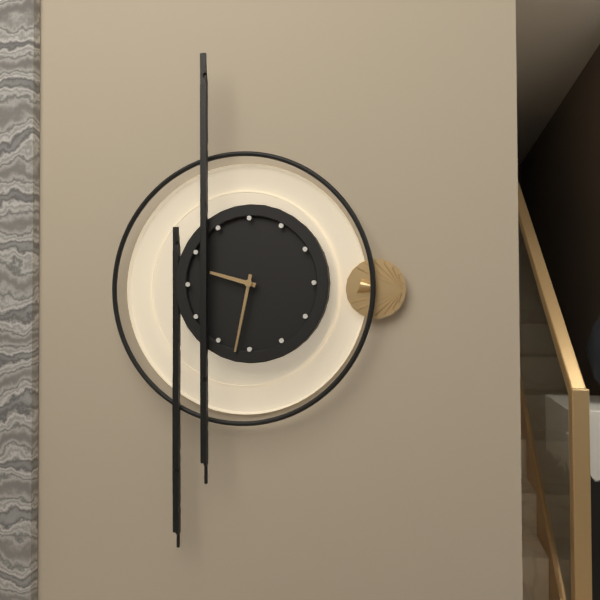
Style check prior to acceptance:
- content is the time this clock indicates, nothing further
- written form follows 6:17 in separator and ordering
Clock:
9:32
